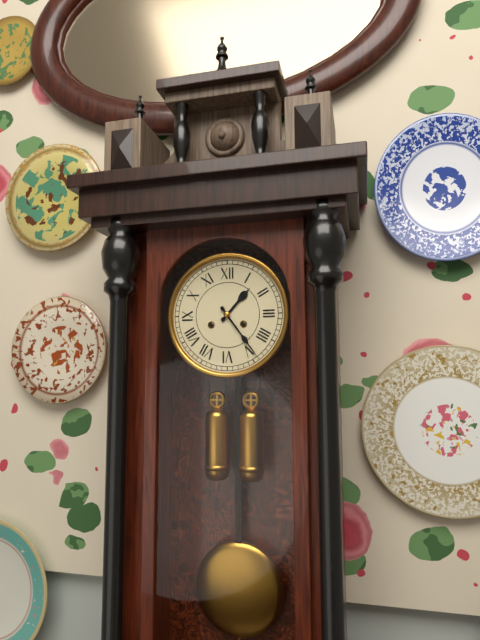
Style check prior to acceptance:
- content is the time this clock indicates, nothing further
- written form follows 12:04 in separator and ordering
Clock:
1:24
